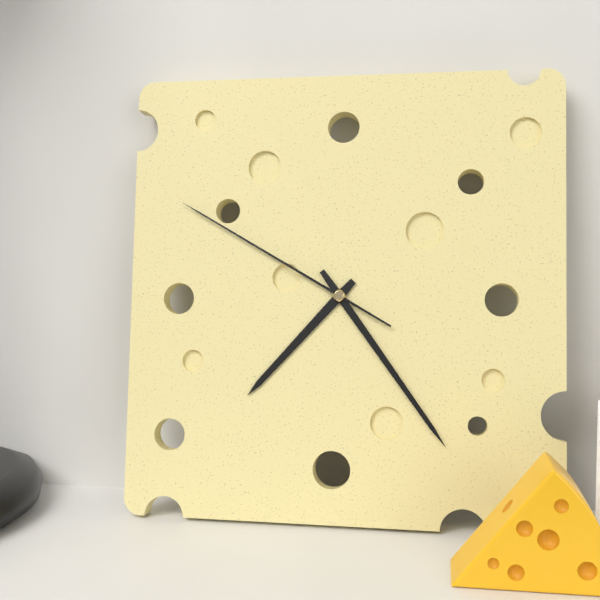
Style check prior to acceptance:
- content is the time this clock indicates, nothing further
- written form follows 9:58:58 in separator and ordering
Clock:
7:24:50
